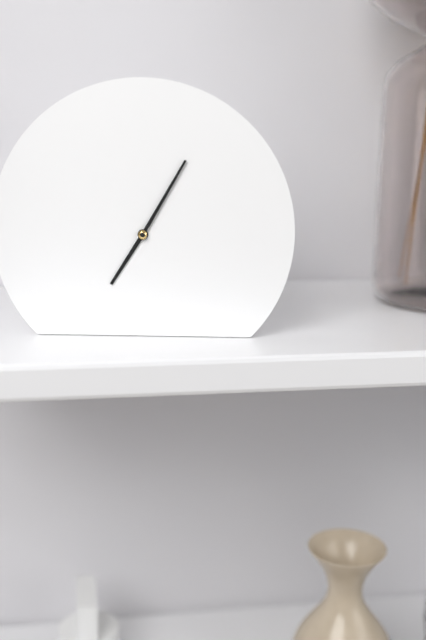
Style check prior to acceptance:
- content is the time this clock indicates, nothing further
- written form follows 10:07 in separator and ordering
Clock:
7:05
